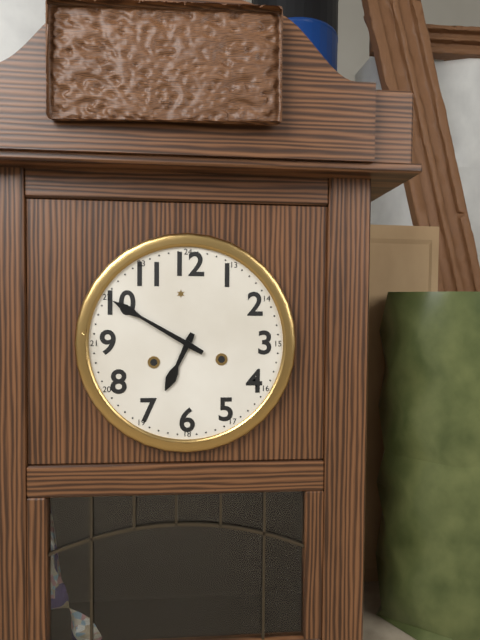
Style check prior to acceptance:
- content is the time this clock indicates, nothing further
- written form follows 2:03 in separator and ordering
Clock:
6:50
